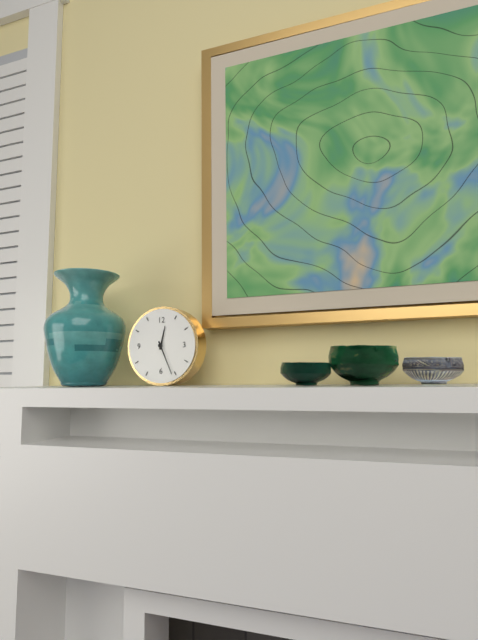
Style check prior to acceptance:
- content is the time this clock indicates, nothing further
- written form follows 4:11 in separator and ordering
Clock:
12:26
